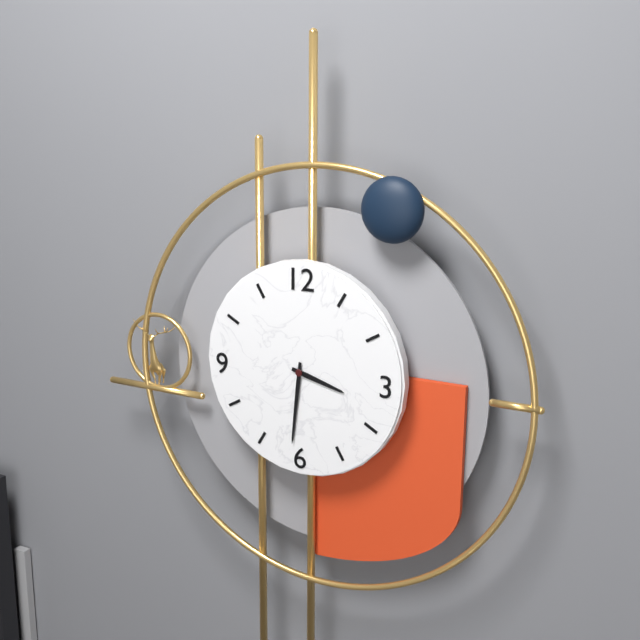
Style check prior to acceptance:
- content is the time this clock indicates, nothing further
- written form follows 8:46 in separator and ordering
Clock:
3:31
